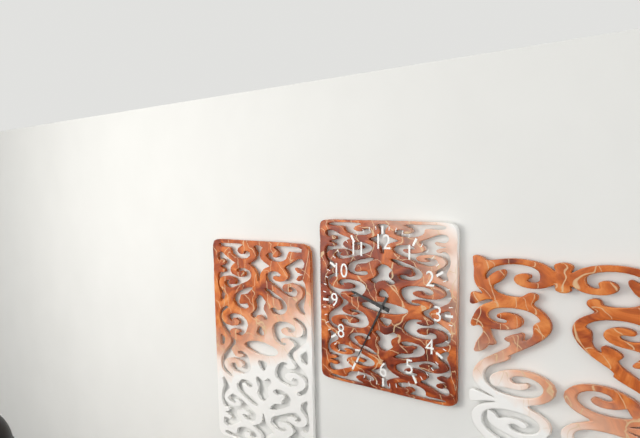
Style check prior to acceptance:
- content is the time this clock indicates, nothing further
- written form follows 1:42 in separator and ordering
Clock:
9:35
